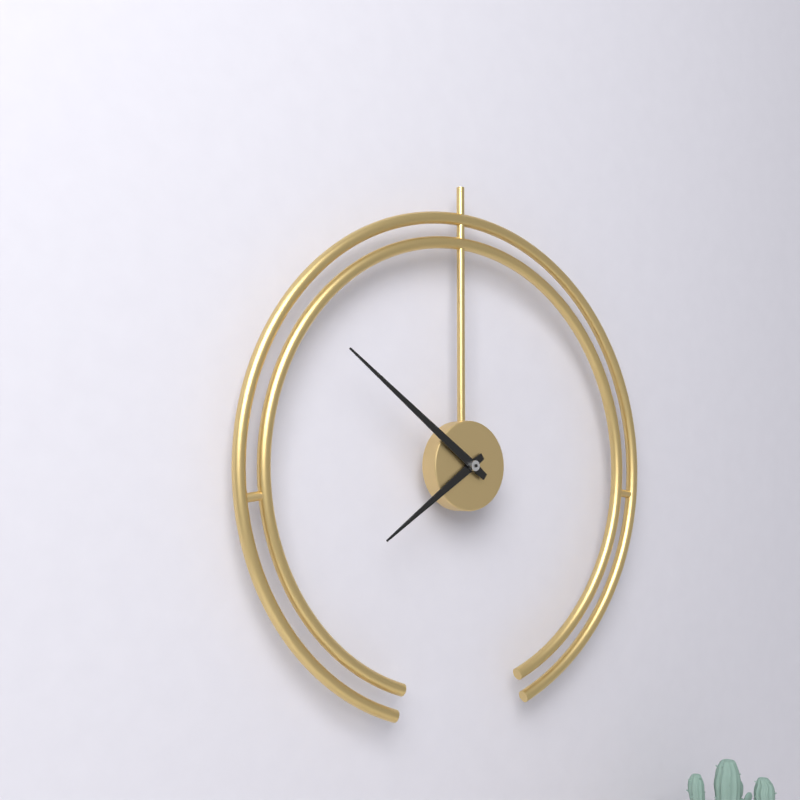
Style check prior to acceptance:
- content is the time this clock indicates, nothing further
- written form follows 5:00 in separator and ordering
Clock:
7:51
